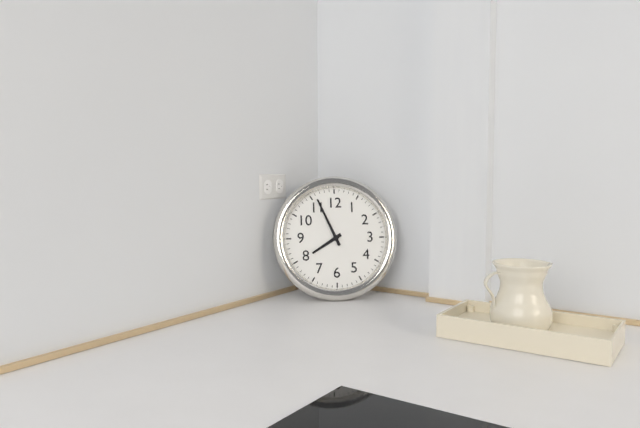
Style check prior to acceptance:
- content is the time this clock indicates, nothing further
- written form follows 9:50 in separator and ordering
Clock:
7:56
